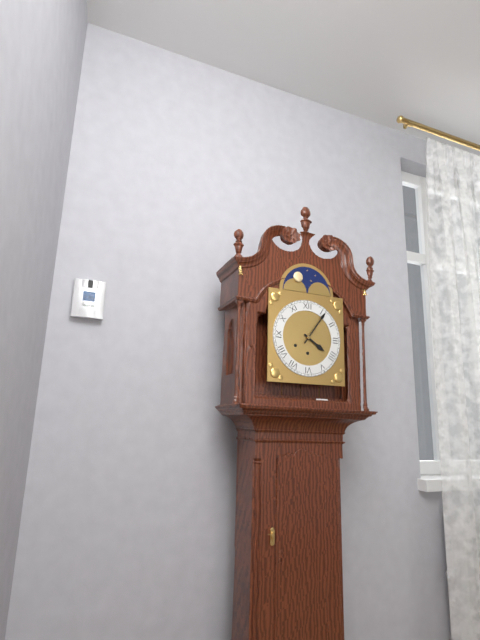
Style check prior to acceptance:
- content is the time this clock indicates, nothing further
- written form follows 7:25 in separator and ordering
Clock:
4:06
